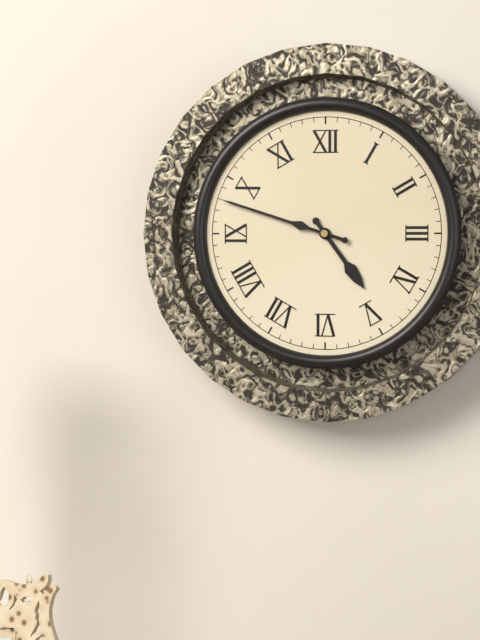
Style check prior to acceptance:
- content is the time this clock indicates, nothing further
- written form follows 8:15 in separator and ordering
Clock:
4:48
